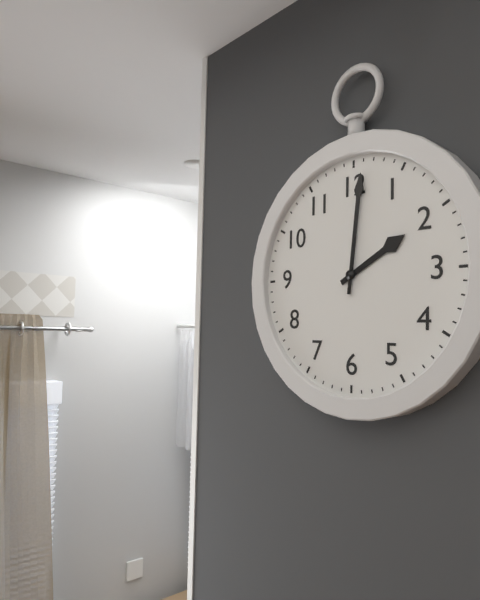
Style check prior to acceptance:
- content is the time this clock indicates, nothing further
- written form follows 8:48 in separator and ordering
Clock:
2:01
